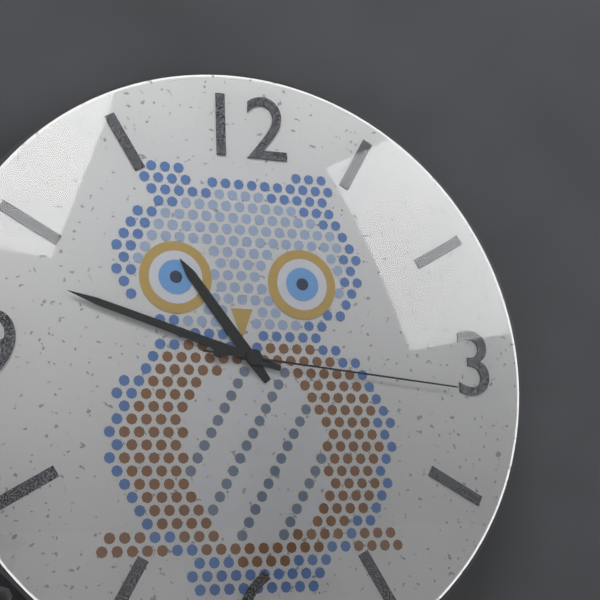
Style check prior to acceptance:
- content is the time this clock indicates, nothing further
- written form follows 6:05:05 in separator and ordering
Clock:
10:48:16
